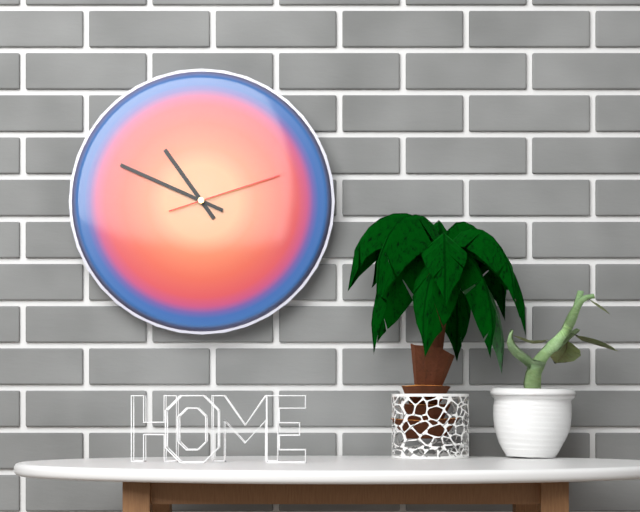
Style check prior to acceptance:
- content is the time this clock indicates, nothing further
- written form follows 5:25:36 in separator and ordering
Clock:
10:49:12
